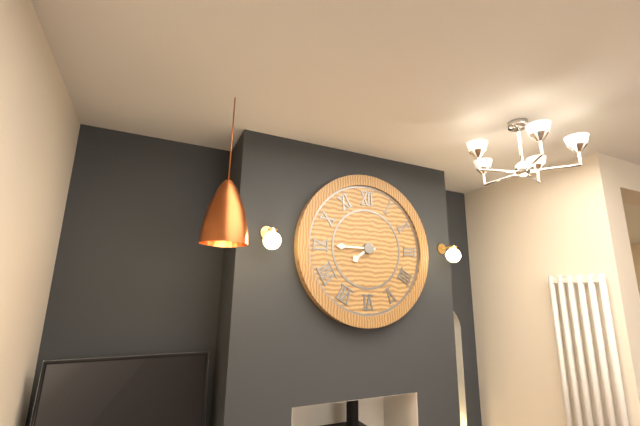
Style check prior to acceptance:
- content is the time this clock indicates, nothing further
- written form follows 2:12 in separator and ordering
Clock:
7:45
